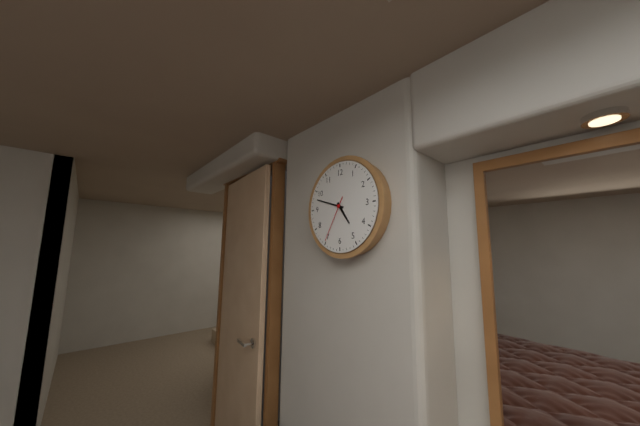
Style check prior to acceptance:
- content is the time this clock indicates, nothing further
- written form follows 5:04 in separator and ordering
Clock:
4:48
